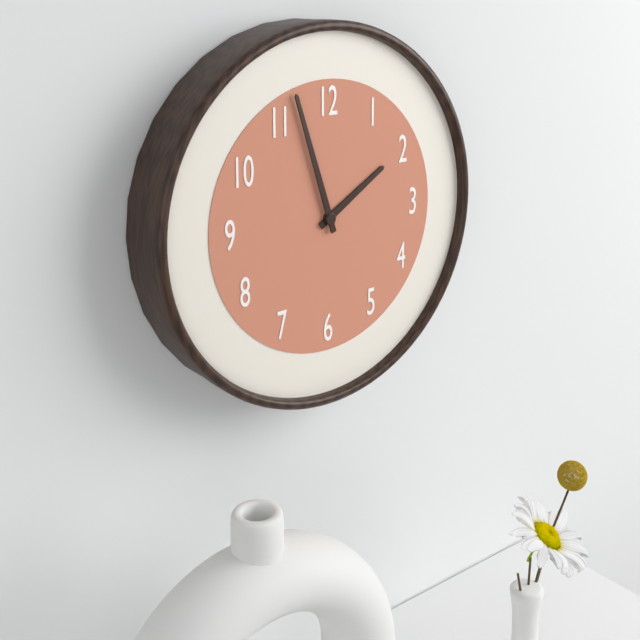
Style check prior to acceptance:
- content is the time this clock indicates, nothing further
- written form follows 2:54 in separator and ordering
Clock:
1:57
